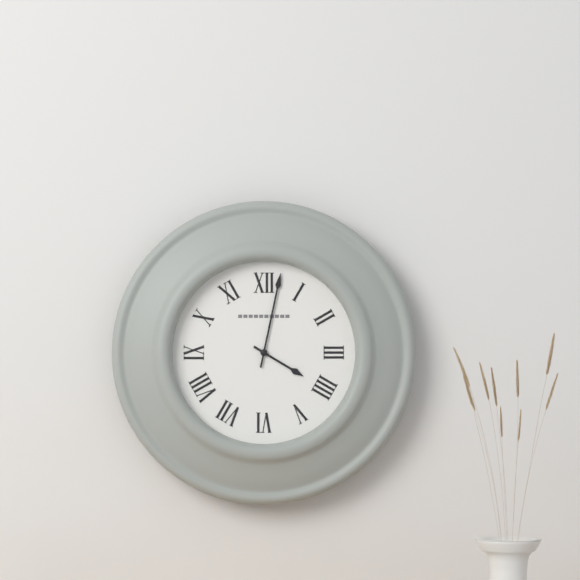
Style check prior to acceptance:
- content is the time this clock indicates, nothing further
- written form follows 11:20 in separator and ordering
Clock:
4:02
